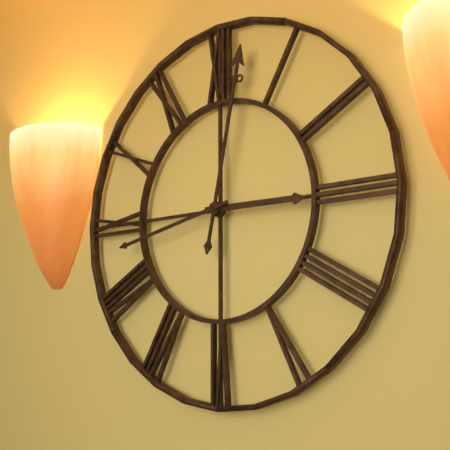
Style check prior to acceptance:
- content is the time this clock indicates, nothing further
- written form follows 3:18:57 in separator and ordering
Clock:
3:02:43
